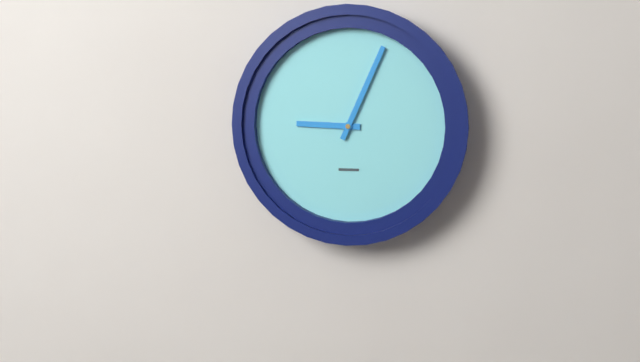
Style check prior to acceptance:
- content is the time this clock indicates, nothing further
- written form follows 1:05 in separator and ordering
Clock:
9:04
